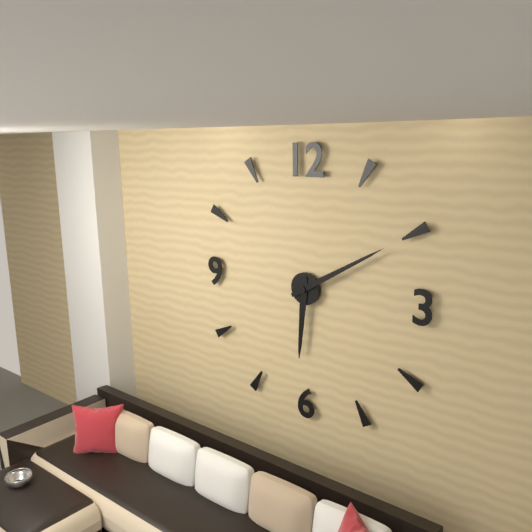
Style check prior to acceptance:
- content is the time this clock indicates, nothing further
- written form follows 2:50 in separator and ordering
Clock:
6:10
